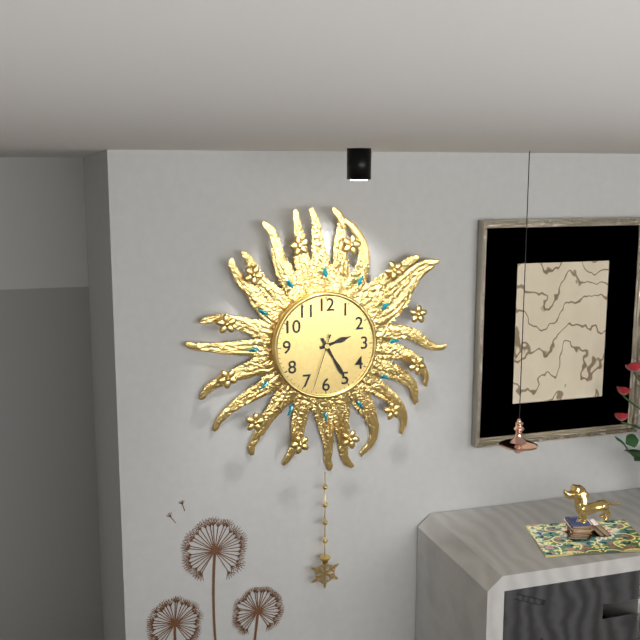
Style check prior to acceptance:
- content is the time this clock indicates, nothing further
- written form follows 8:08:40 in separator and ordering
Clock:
2:25:33
